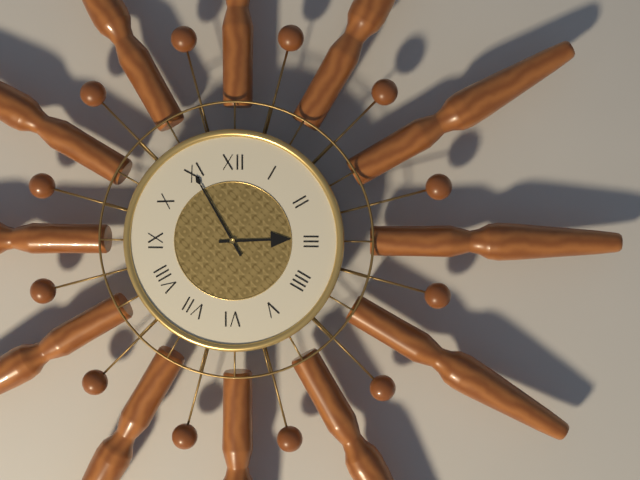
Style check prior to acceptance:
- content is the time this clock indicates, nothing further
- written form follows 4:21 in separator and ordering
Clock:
2:55
